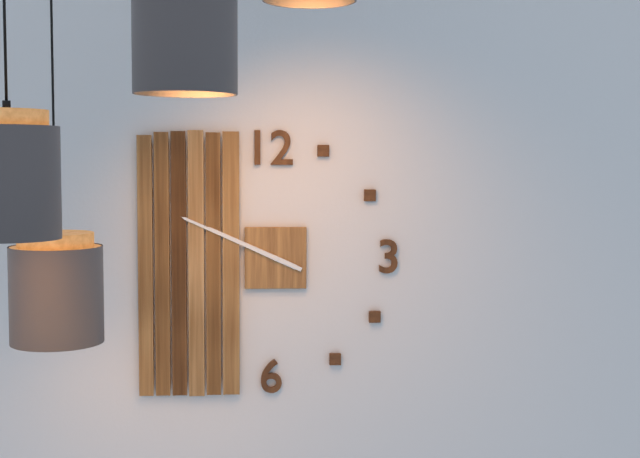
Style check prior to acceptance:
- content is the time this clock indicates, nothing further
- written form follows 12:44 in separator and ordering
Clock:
9:49
